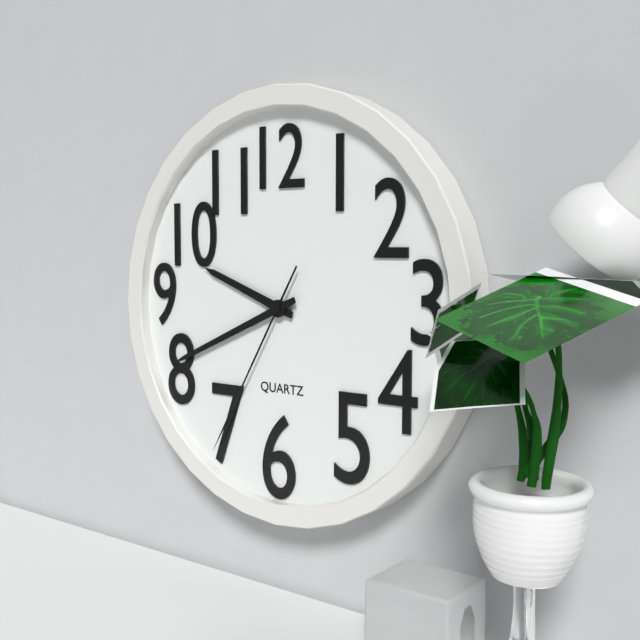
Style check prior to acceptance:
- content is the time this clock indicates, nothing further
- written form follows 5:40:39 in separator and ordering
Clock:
9:41:35
